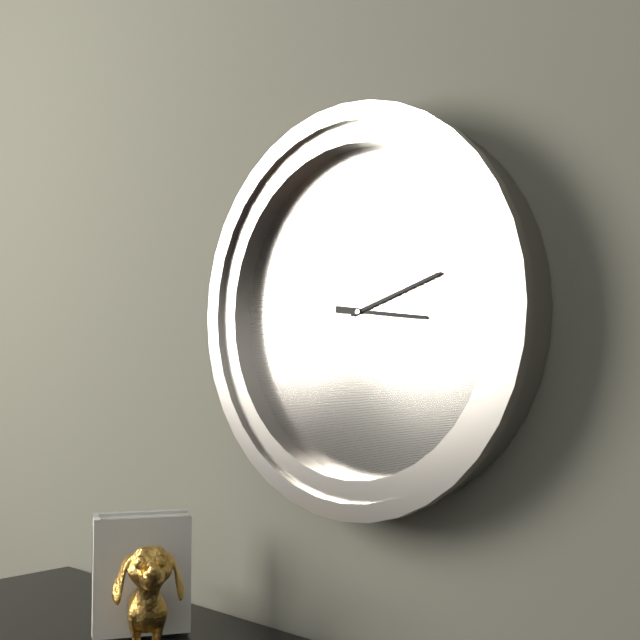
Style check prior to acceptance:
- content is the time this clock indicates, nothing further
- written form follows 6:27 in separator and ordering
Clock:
3:12
